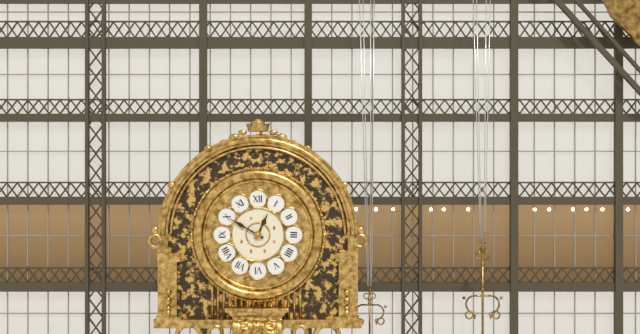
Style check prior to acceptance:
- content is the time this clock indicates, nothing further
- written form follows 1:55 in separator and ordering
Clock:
12:50
